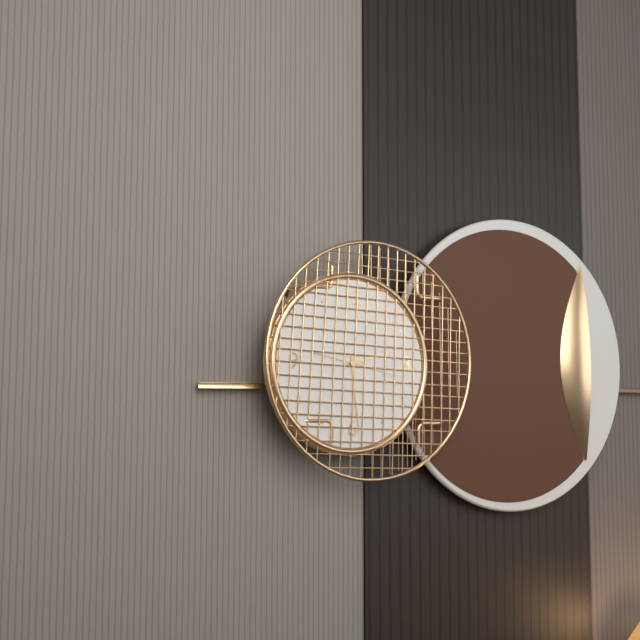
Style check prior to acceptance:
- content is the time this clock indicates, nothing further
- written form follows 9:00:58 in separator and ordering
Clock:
2:29:17
